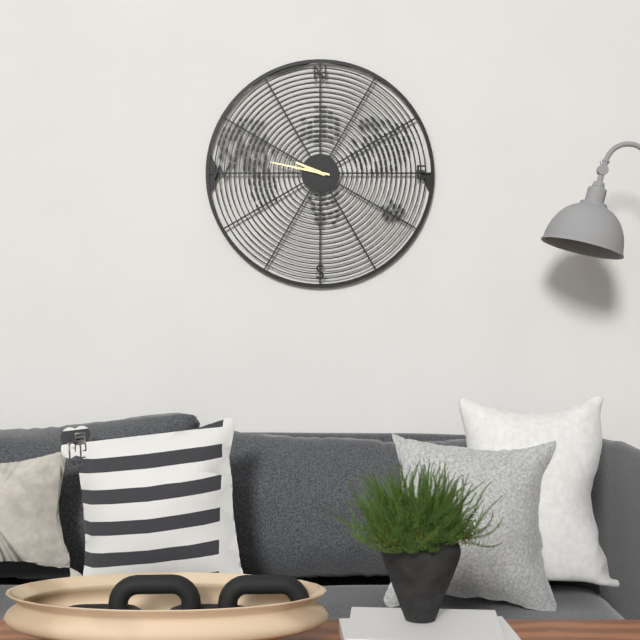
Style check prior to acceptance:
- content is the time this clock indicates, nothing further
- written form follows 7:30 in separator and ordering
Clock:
9:47
